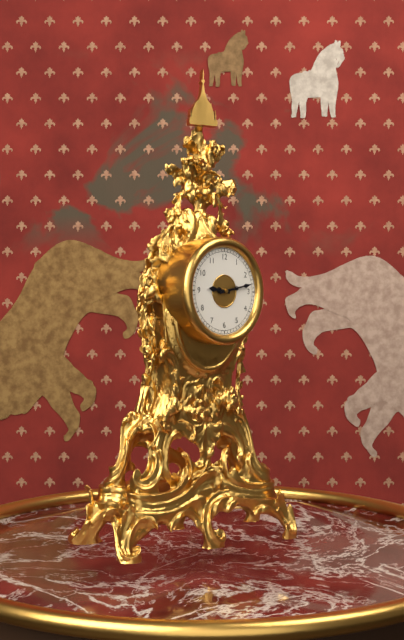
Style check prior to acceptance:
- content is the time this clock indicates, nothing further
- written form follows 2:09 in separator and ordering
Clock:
9:13
